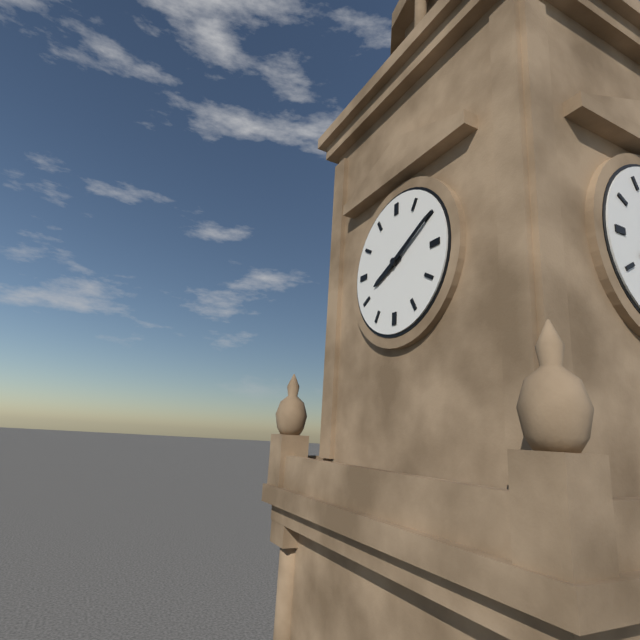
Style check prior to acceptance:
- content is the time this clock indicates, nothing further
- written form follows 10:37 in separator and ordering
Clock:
8:10
